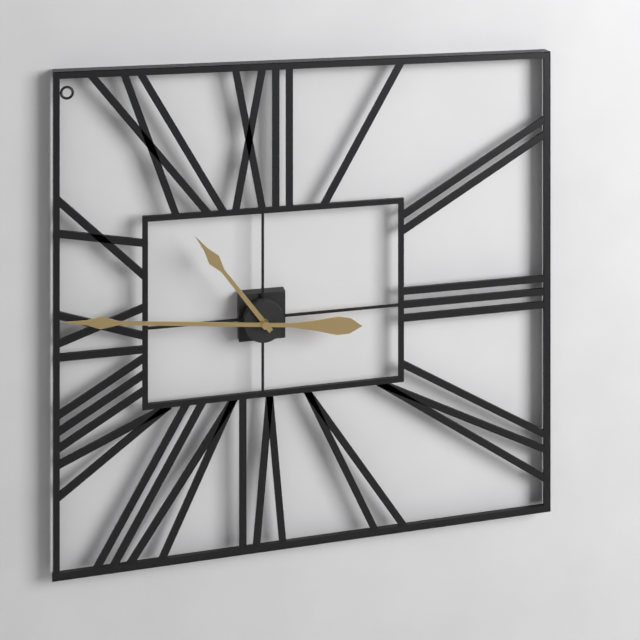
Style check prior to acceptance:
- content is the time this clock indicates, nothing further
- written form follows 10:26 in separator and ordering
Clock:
10:46
